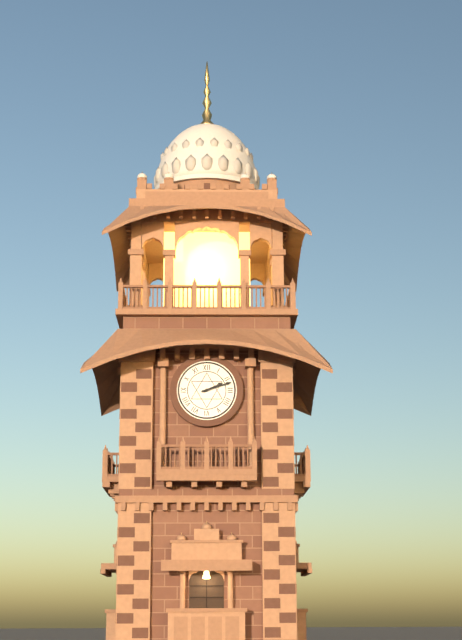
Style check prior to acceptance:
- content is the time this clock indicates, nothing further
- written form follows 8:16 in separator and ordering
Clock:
2:12
